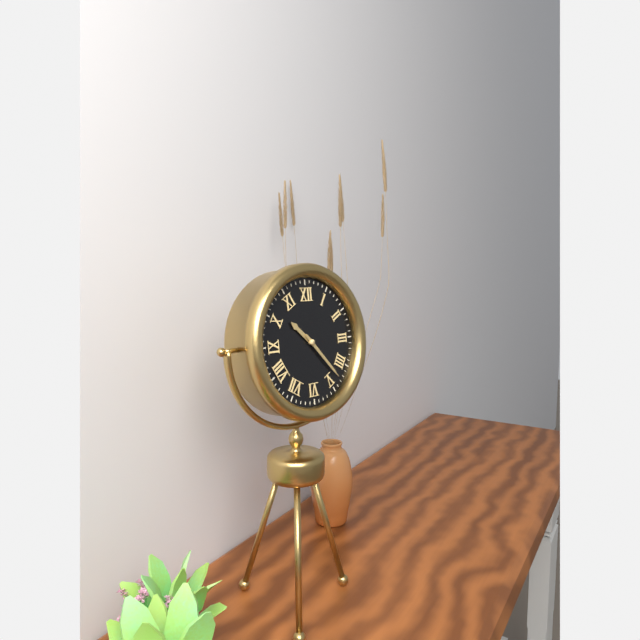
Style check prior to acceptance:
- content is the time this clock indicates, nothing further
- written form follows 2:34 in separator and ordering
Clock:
10:23
